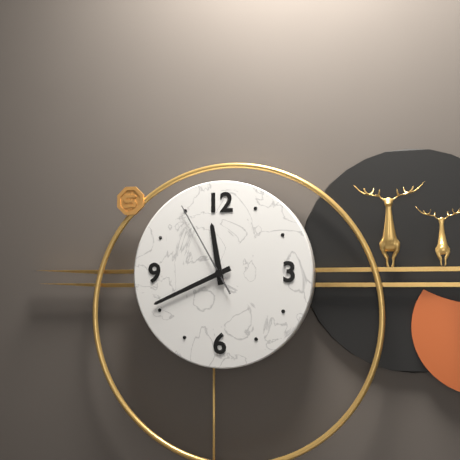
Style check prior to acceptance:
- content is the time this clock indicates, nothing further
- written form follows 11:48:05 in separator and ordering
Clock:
11:41:55
